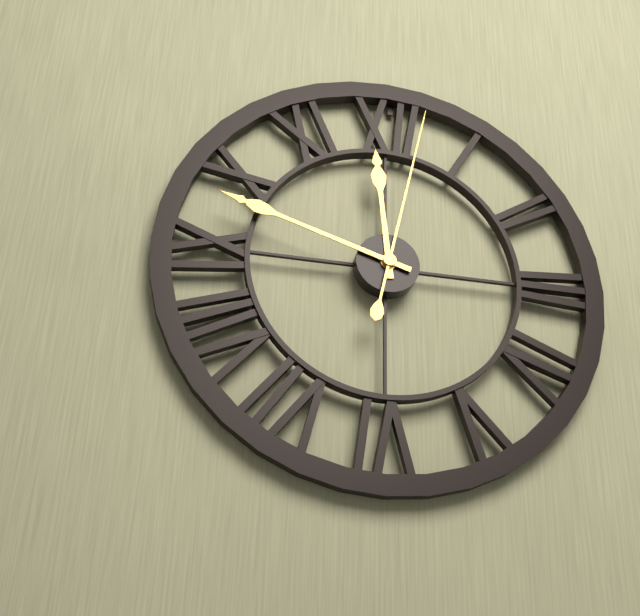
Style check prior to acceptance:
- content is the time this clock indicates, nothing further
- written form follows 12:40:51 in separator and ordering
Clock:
11:48:02
